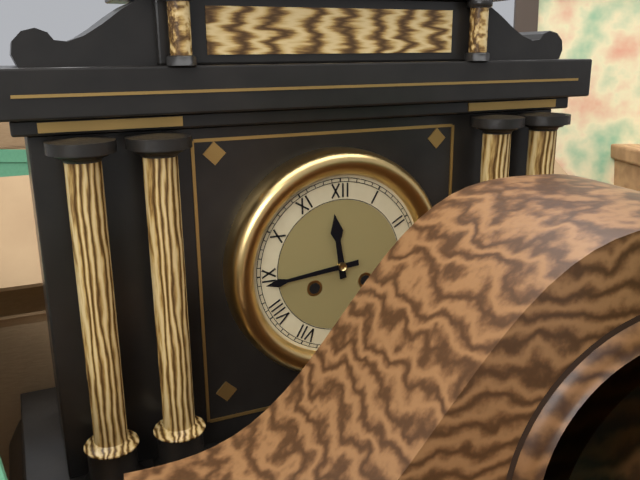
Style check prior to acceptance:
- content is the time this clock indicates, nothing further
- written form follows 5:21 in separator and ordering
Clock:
11:44
